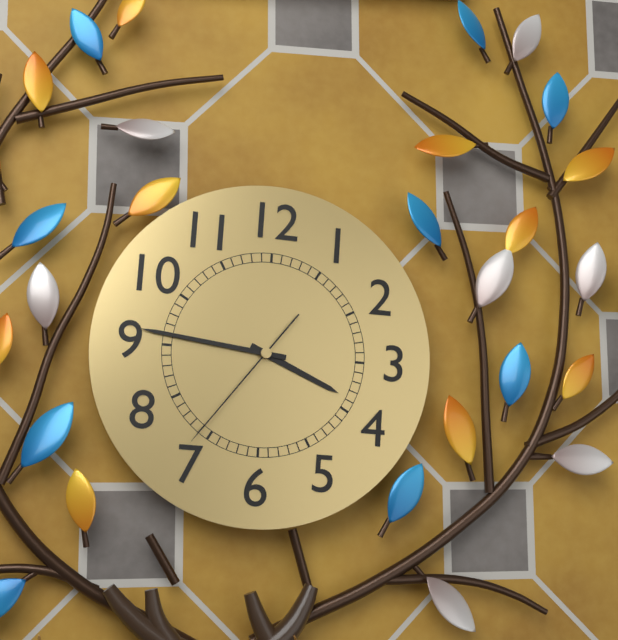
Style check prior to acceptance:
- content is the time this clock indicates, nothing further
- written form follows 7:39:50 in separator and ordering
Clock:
3:46:36
